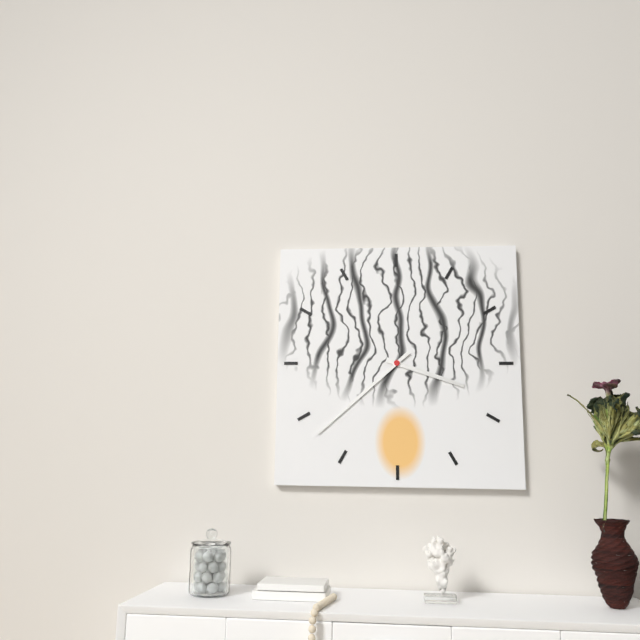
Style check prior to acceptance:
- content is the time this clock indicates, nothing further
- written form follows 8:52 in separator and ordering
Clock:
3:38
